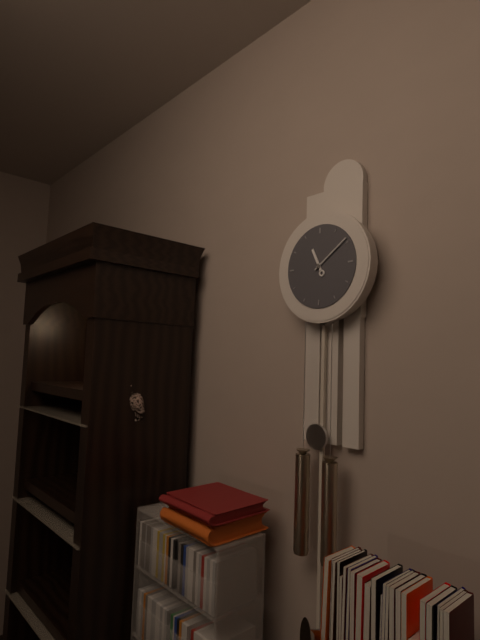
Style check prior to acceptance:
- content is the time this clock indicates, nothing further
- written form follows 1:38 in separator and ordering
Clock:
11:09
